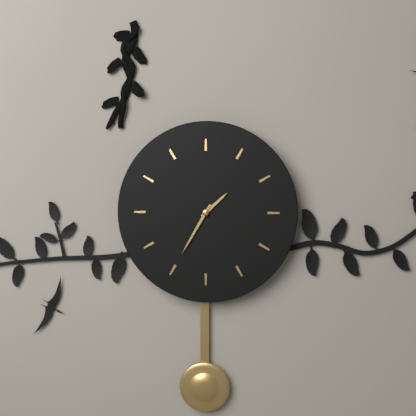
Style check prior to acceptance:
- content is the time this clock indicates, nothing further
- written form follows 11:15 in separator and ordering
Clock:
1:35
